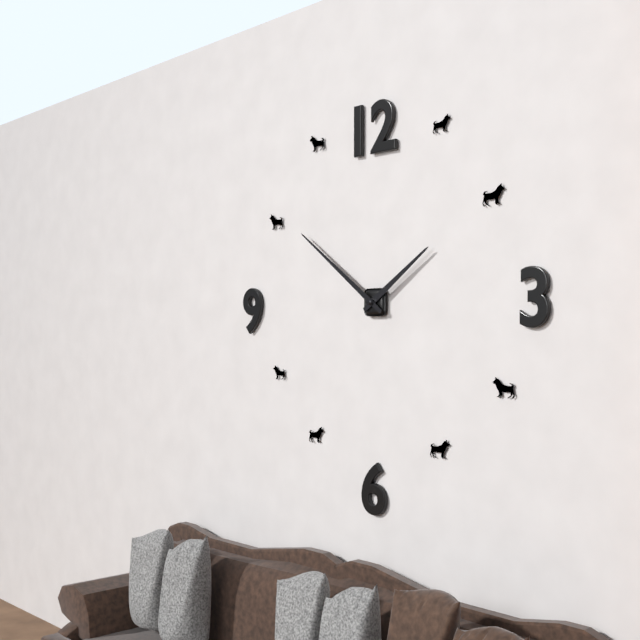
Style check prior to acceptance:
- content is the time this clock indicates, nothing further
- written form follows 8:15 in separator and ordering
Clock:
1:51
